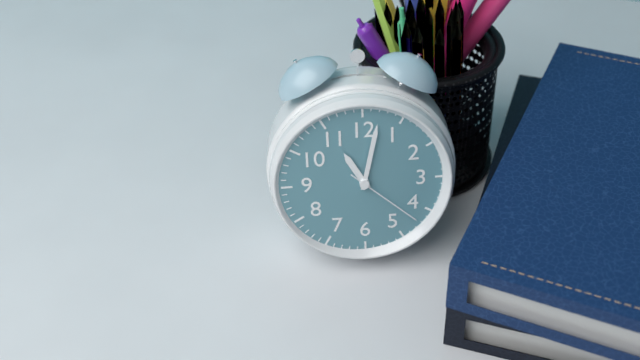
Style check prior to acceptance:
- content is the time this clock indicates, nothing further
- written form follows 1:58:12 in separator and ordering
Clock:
11:02:22
